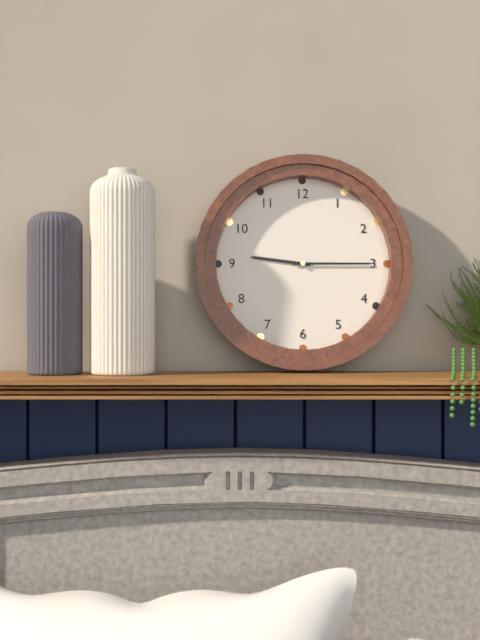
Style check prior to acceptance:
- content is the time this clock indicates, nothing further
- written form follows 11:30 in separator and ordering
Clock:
9:15
